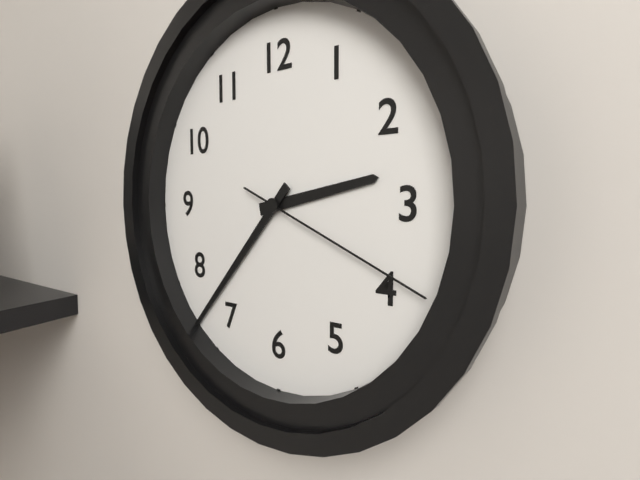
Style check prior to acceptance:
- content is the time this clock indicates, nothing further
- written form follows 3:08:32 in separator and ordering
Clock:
2:37:19
